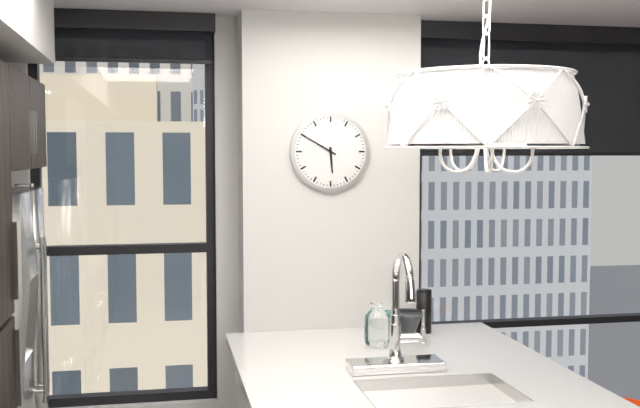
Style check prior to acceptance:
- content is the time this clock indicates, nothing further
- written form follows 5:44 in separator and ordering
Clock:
5:50
